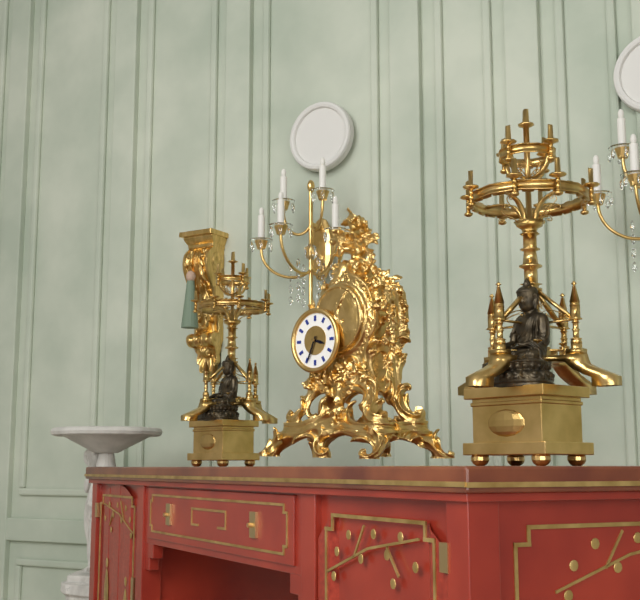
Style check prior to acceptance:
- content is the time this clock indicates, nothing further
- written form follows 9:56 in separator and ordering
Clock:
3:34
